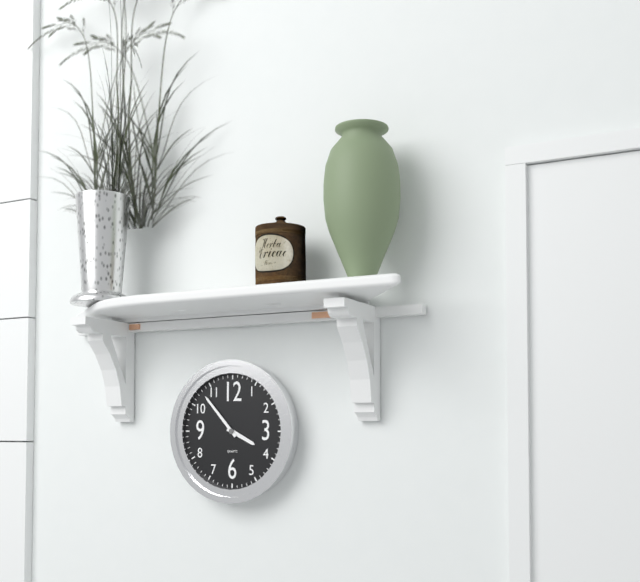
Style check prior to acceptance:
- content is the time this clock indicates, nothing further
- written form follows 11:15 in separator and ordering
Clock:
3:53
